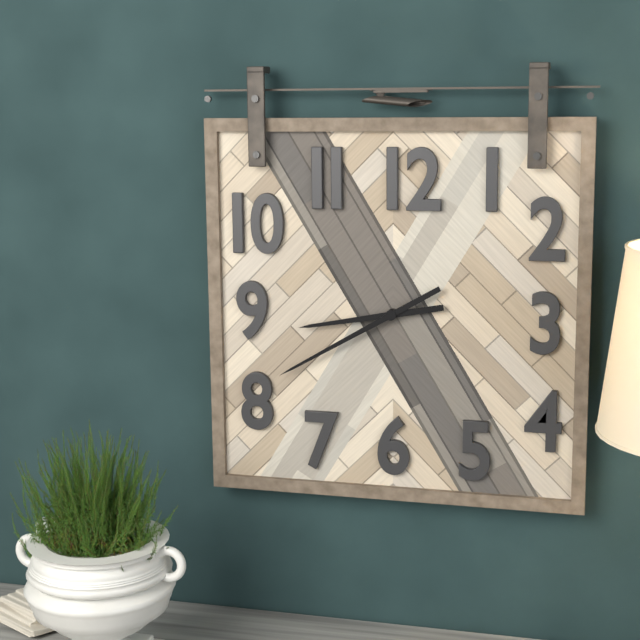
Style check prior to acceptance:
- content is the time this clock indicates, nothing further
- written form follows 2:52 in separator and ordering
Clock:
8:40
